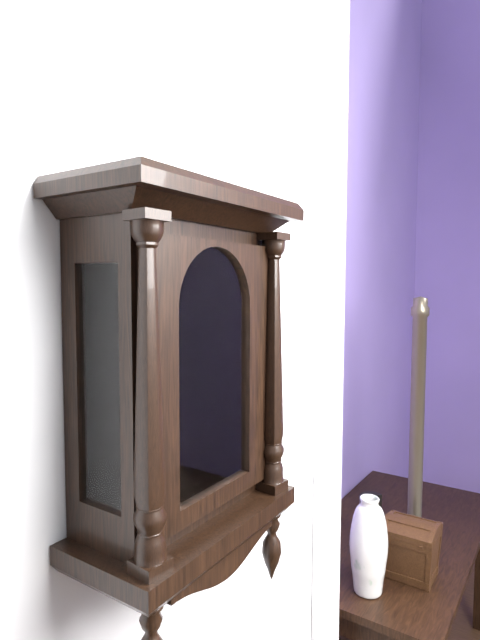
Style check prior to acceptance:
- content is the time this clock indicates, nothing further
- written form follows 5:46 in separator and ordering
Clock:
11:45
